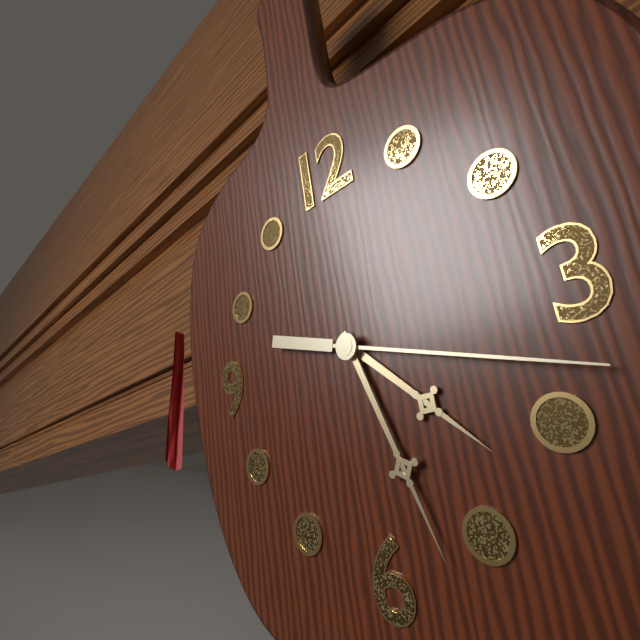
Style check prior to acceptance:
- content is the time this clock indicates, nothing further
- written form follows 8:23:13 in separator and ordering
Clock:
4:27:18
